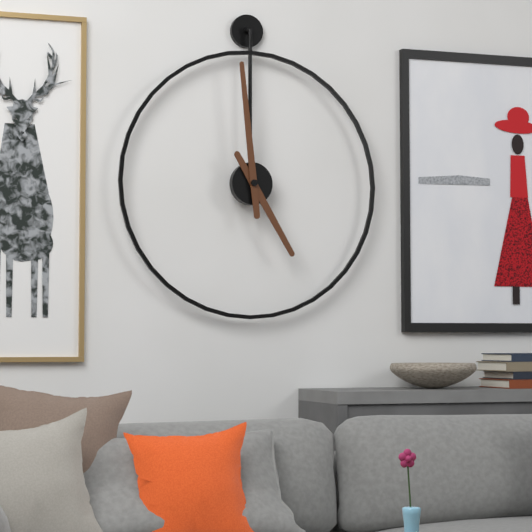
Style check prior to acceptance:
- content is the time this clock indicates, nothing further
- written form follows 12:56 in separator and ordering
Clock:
4:59
